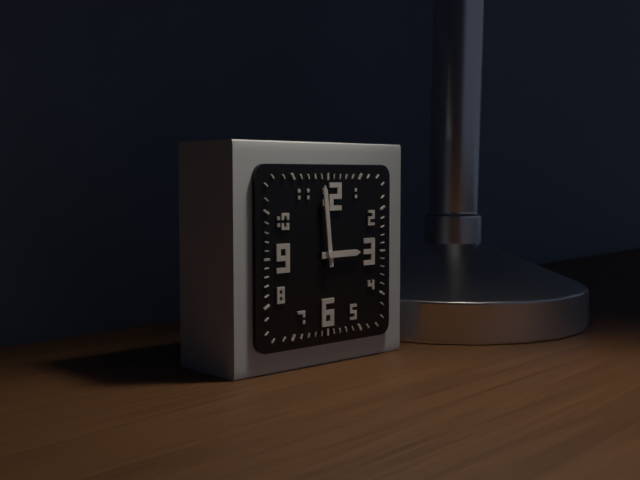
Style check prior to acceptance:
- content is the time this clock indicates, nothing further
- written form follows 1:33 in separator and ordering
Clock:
2:59
